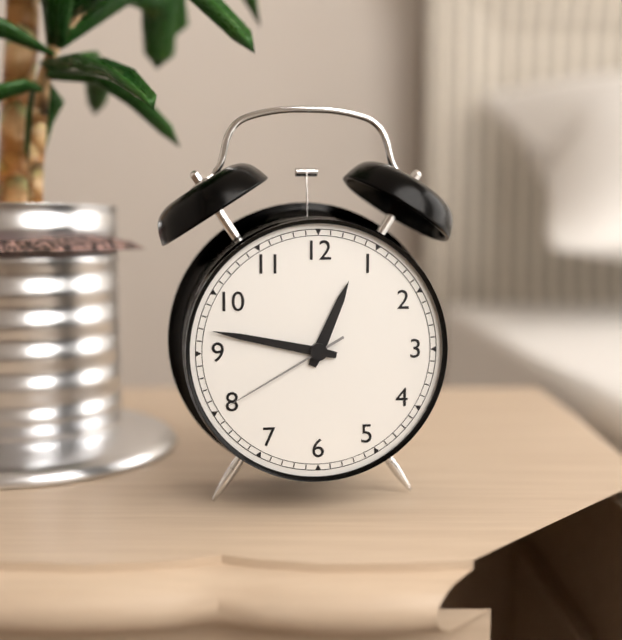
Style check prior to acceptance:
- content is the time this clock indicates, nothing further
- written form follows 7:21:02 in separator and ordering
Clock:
12:47:40
